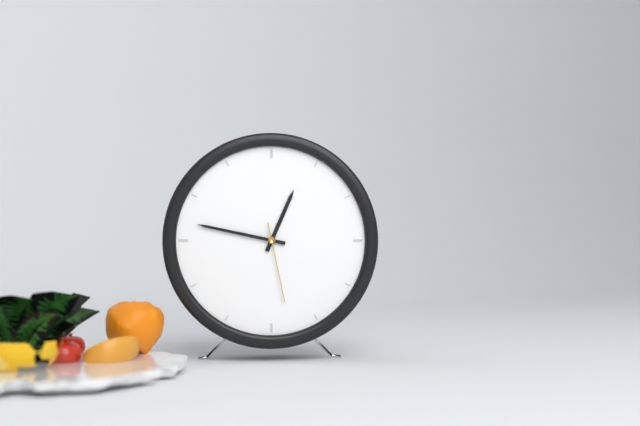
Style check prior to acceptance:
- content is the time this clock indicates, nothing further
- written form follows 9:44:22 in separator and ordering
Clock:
12:47:28
